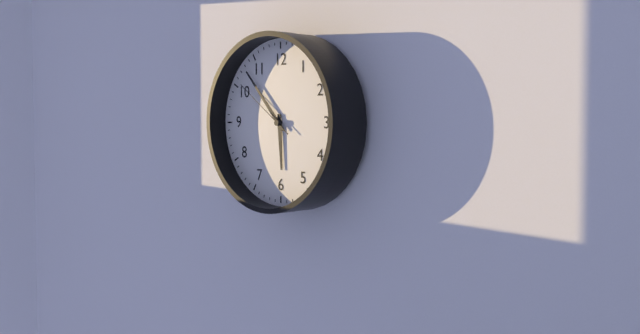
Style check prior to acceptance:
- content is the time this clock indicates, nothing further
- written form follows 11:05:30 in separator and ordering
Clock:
5:53:51
